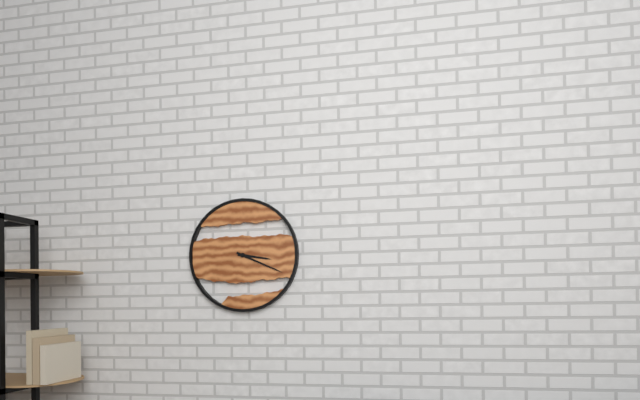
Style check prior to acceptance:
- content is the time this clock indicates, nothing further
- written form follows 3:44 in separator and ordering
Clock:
3:19
